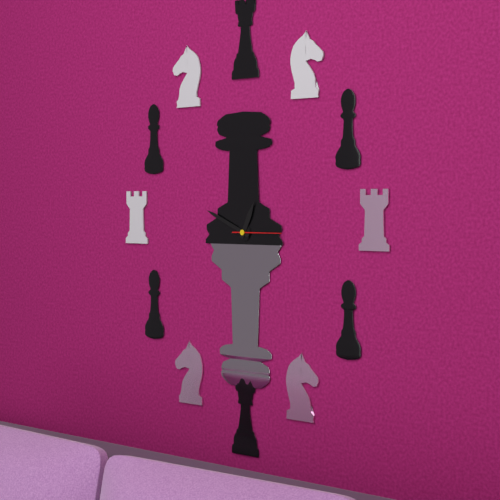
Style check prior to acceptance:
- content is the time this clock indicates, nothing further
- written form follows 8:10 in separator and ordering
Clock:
12:49
